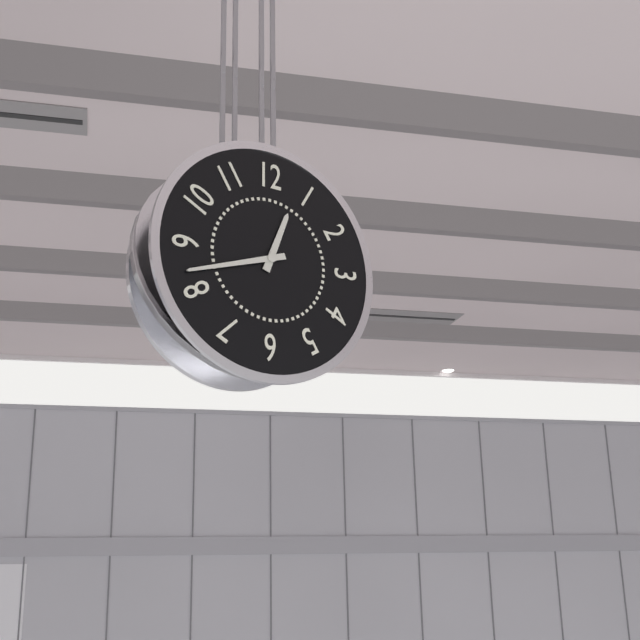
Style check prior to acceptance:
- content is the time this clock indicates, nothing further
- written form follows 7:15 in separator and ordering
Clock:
12:42
